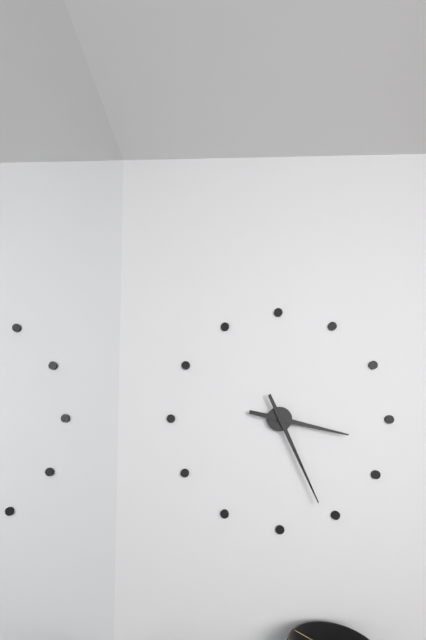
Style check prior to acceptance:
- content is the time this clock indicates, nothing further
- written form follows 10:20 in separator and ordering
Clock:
3:26
